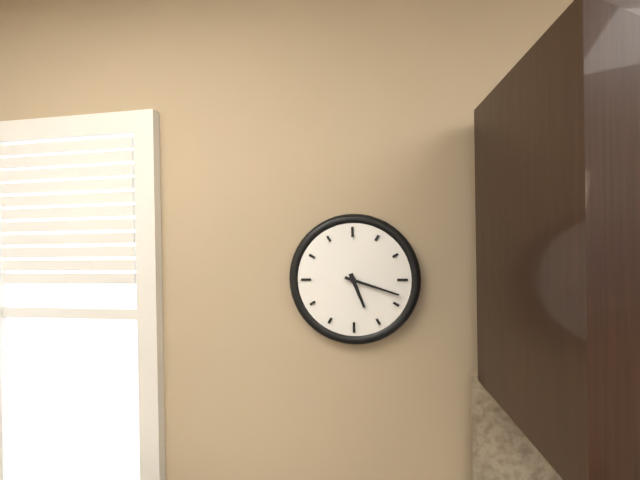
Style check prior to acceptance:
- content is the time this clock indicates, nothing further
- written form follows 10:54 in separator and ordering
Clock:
5:18
